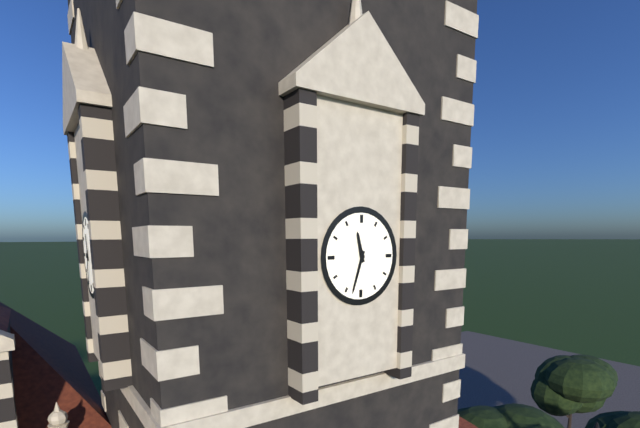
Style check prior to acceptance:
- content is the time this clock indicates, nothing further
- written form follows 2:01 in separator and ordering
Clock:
11:33
